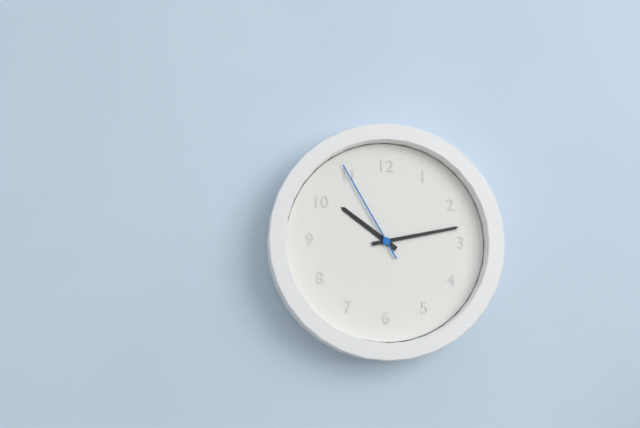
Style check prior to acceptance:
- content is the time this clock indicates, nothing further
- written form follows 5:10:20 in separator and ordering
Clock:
10:13:55
